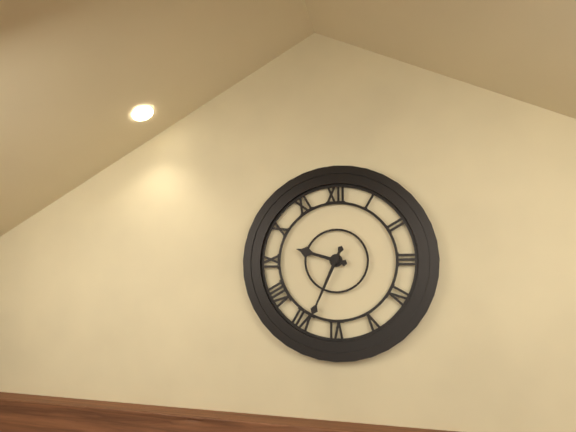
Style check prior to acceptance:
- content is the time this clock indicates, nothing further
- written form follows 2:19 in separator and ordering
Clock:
9:34
